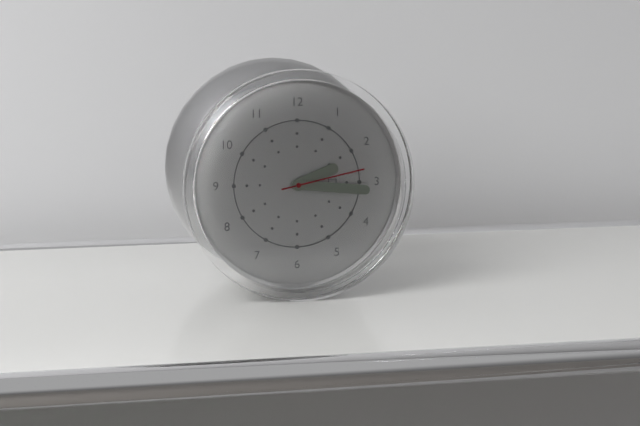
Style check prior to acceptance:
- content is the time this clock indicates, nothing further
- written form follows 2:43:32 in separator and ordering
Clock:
2:16:13
